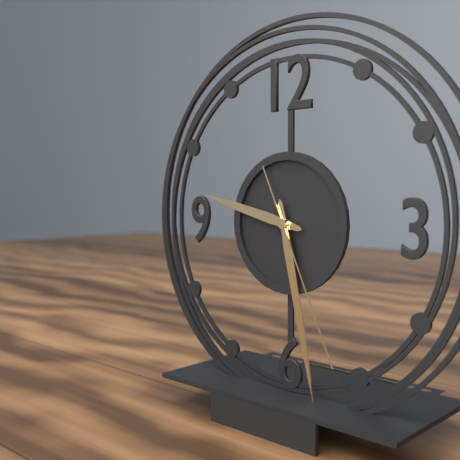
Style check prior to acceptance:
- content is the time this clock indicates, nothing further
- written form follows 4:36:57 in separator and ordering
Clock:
9:28:26
